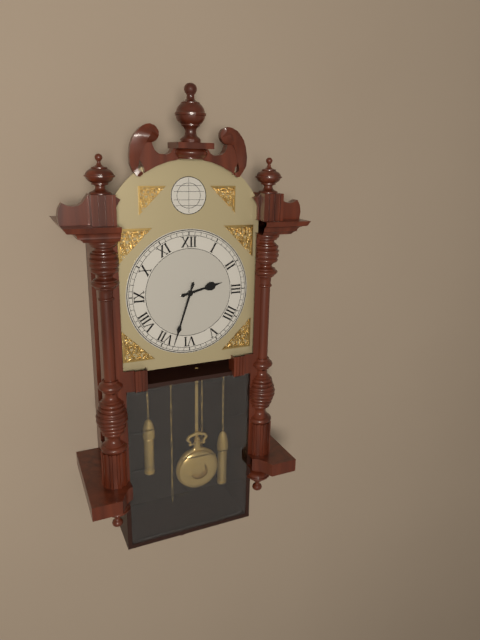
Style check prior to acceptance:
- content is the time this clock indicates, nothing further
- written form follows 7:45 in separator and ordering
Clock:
2:33
